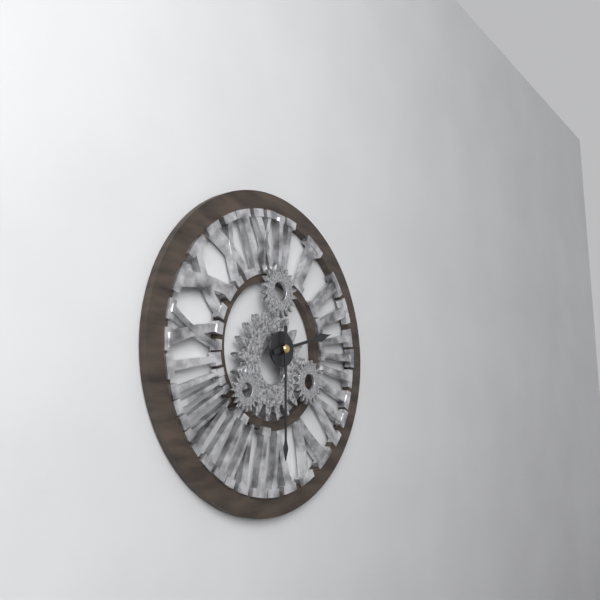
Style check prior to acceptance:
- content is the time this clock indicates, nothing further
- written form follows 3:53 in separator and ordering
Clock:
2:30
